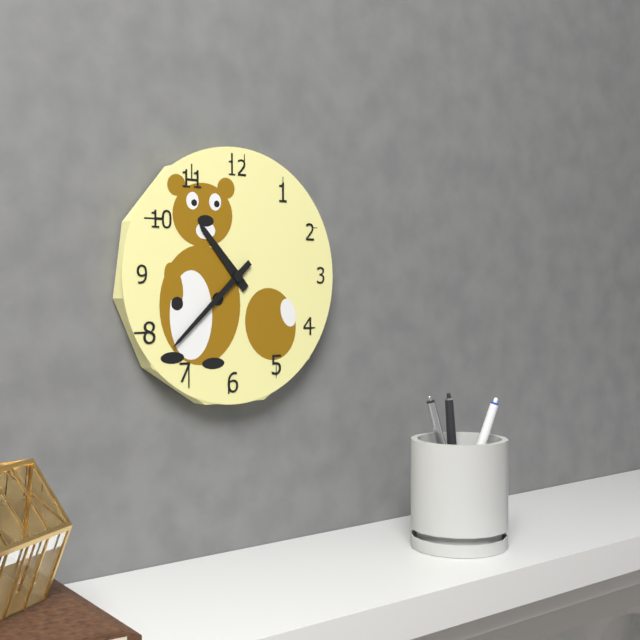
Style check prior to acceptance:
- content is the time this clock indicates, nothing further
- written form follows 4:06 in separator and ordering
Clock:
10:38
